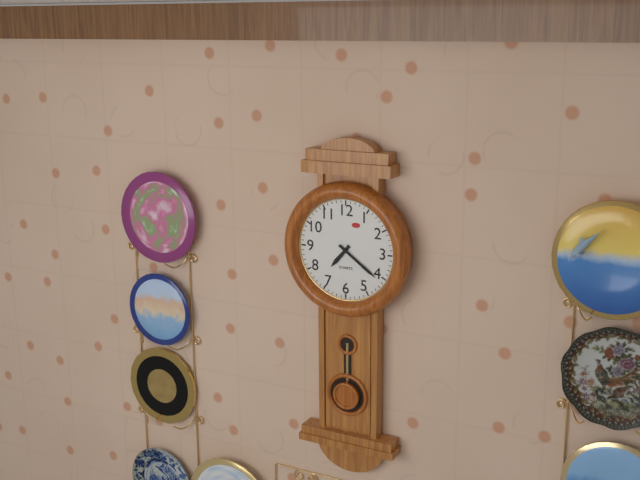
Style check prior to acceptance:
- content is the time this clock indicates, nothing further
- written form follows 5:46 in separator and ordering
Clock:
7:21
